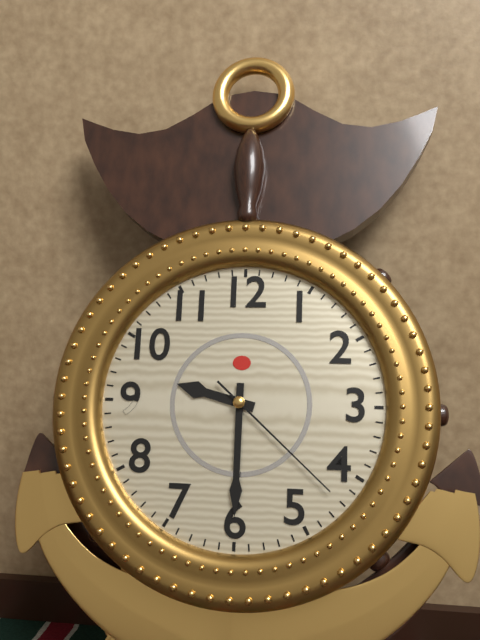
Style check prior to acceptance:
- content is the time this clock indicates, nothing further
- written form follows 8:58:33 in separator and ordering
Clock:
9:30:22
